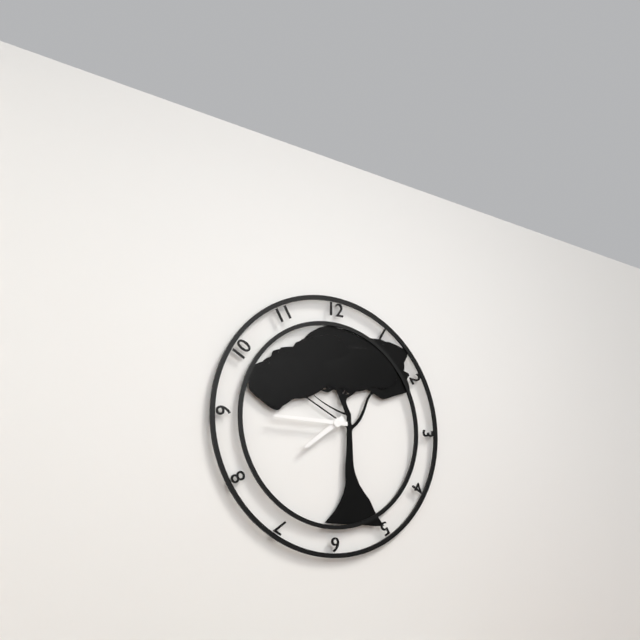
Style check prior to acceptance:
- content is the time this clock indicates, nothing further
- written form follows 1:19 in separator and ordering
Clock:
7:45
